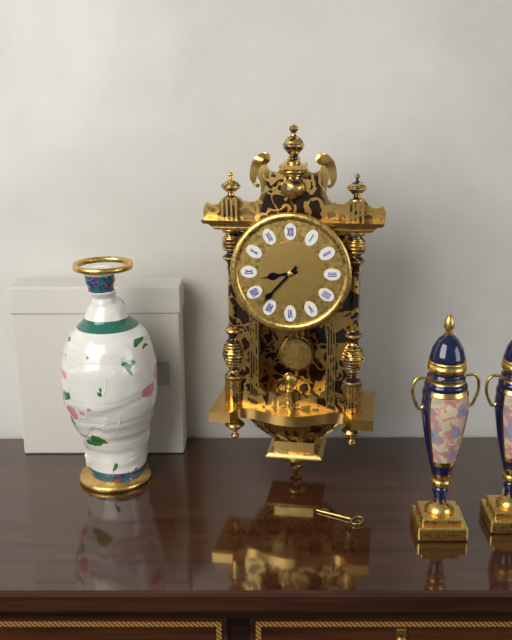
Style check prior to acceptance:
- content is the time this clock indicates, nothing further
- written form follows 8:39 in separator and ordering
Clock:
8:37
